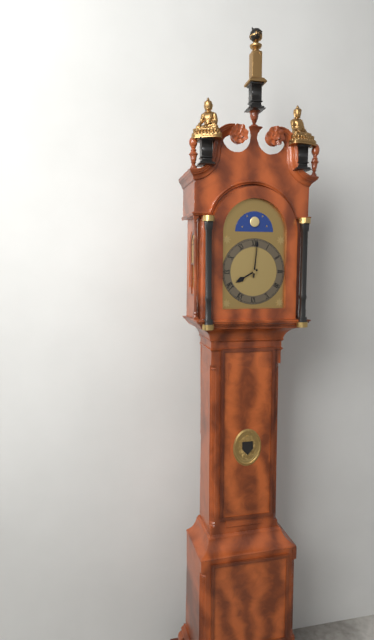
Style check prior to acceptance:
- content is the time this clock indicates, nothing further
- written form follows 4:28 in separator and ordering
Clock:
8:01
